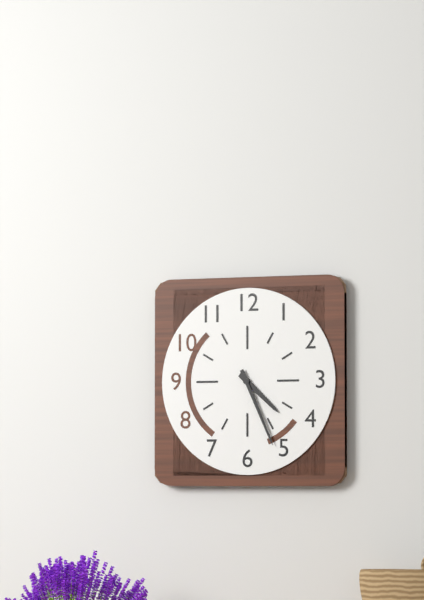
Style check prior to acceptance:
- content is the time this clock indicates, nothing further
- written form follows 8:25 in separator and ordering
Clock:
4:26
